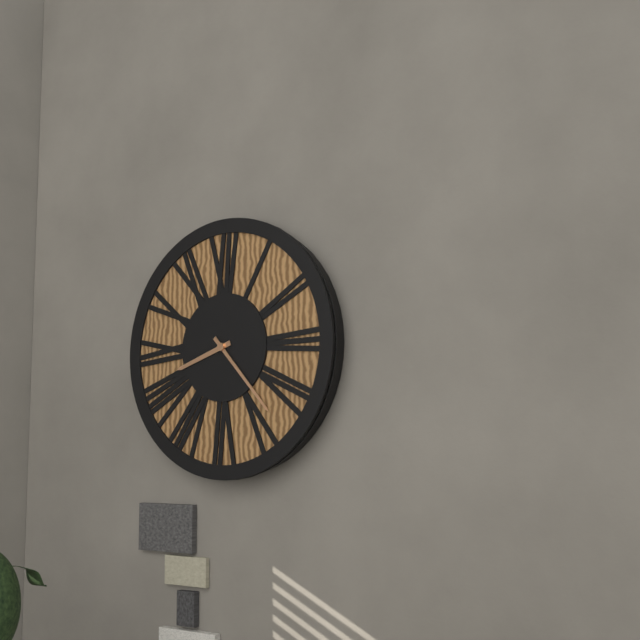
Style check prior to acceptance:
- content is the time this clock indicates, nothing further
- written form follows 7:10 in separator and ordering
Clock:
8:23
